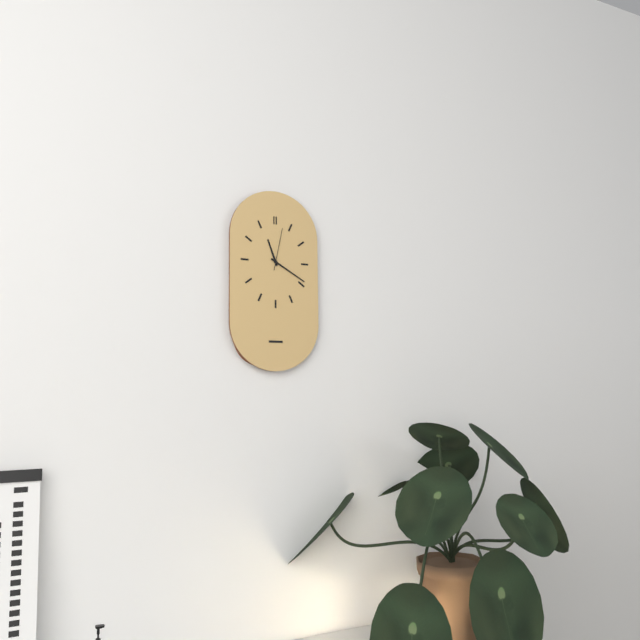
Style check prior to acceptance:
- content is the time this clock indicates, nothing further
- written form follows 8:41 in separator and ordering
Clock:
11:20
